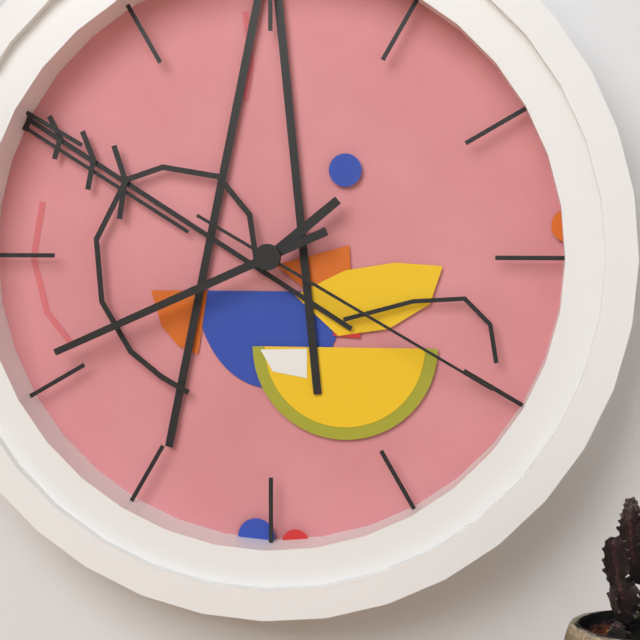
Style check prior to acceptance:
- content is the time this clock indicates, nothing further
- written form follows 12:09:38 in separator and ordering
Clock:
1:41:20
